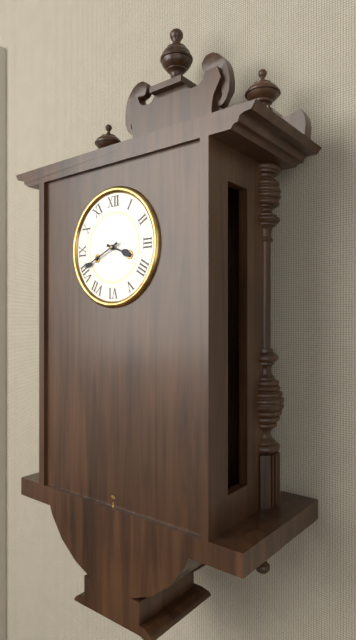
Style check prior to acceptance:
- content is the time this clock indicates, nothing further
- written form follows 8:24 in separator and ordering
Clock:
3:41
